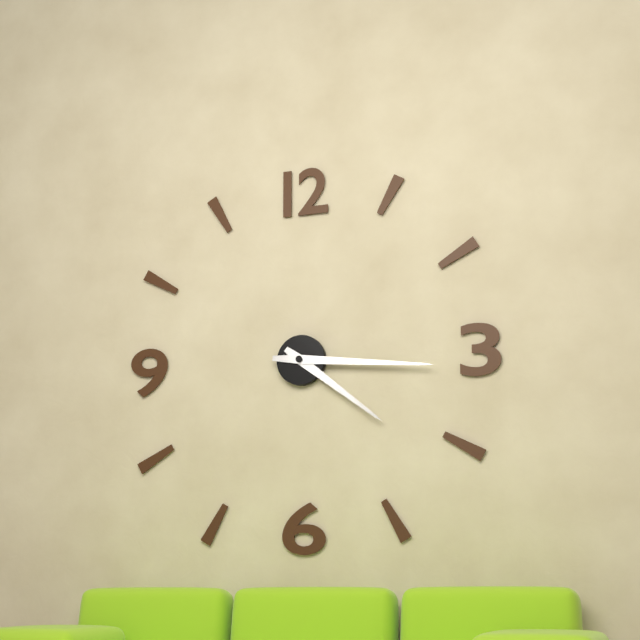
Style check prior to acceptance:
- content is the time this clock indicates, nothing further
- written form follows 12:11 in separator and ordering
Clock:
4:16
